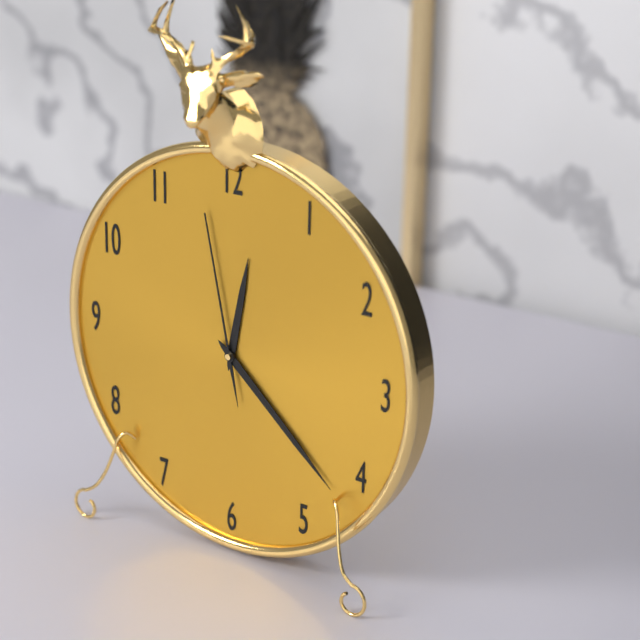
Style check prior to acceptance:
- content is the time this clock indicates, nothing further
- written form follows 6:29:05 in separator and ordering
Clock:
12:22:58
